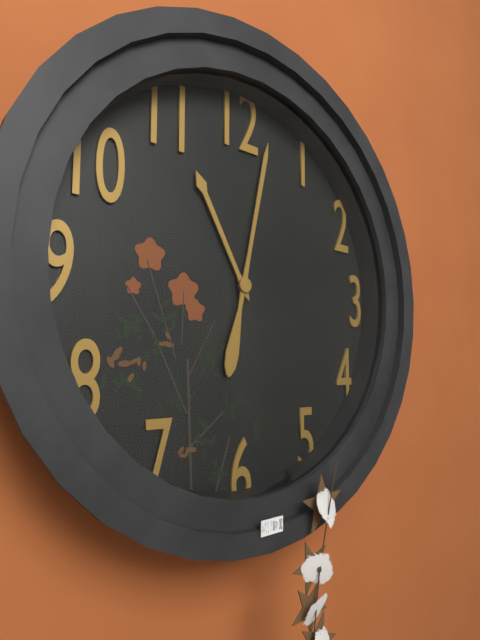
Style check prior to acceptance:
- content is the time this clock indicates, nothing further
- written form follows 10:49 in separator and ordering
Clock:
11:02
